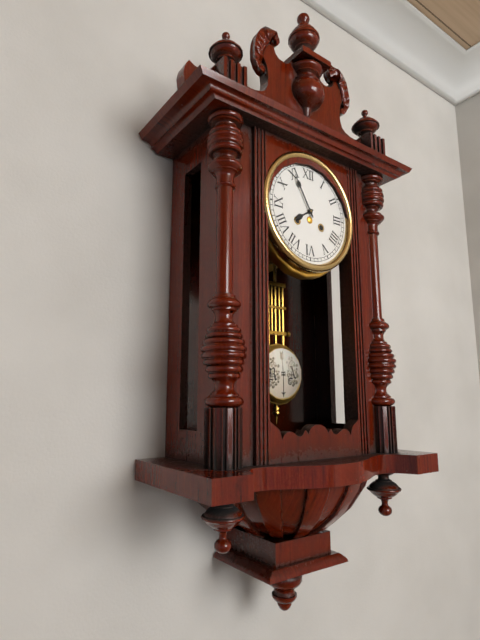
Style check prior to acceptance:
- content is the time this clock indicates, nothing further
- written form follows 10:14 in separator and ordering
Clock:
7:55
